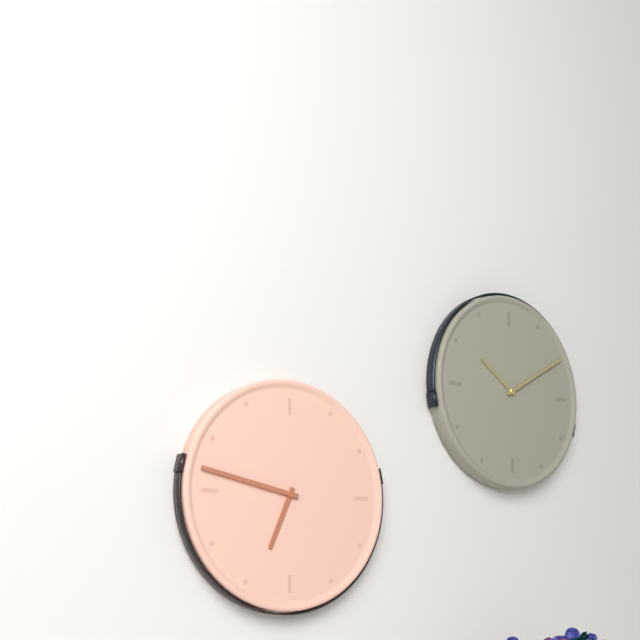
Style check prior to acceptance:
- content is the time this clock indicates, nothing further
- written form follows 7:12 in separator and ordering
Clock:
6:47
